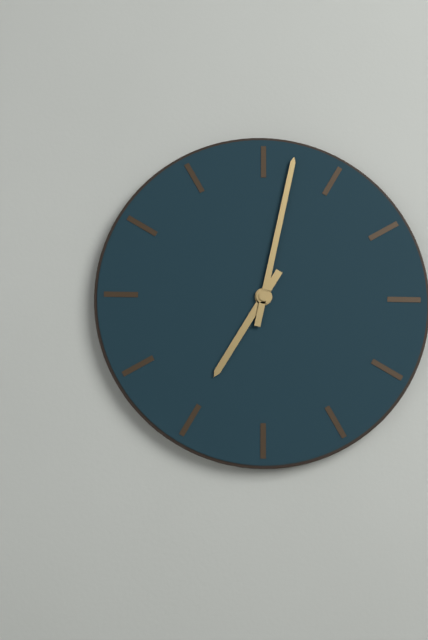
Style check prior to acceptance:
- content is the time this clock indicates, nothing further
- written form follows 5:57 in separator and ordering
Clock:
7:02
